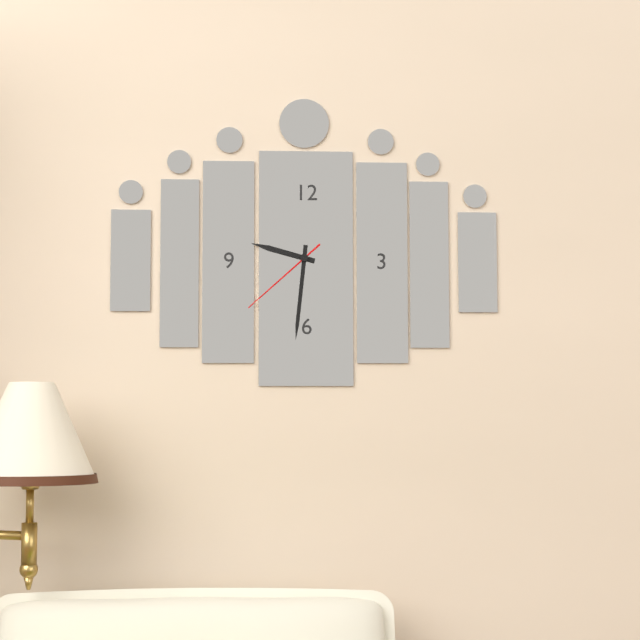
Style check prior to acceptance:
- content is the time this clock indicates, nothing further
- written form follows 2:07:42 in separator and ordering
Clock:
9:31:38
